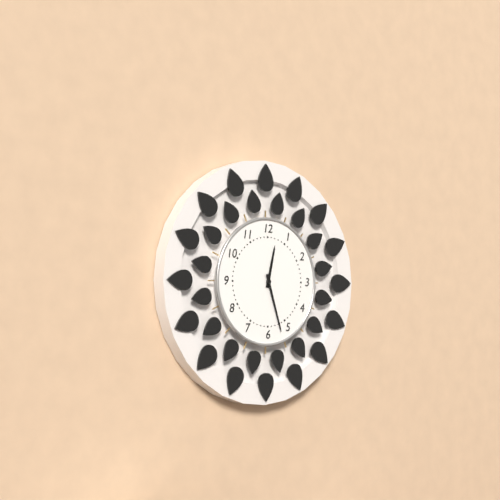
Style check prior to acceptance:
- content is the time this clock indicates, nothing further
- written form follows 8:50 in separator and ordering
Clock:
12:27
